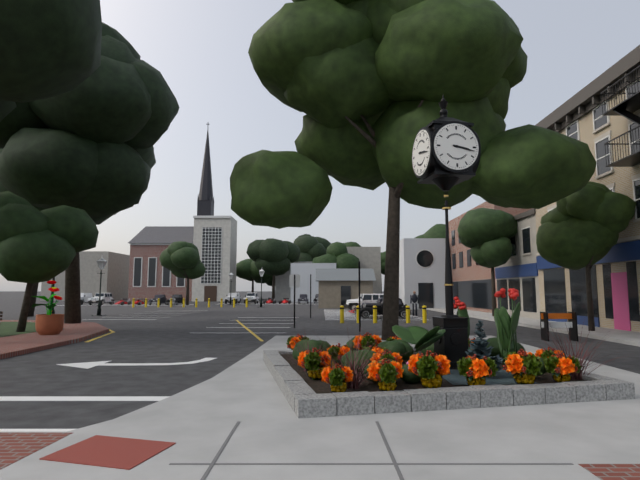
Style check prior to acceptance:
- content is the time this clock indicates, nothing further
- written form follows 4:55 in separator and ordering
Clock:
3:17
